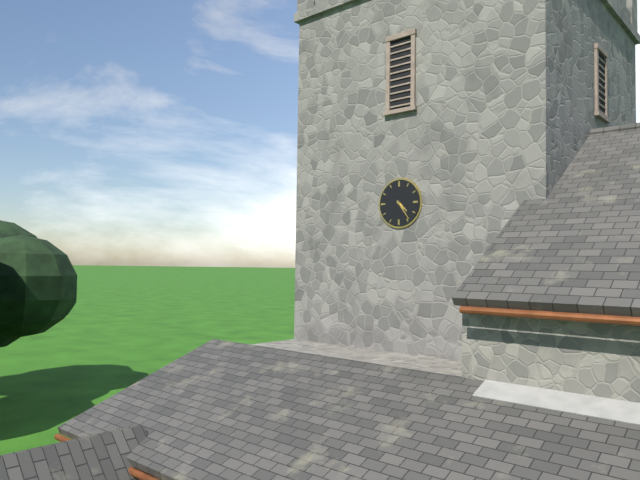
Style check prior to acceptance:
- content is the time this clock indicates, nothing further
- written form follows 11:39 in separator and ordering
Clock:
4:24
